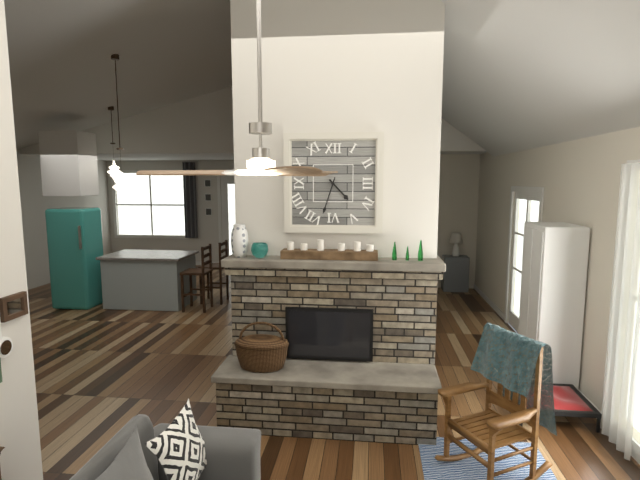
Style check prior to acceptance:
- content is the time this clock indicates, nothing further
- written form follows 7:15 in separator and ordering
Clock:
4:33
